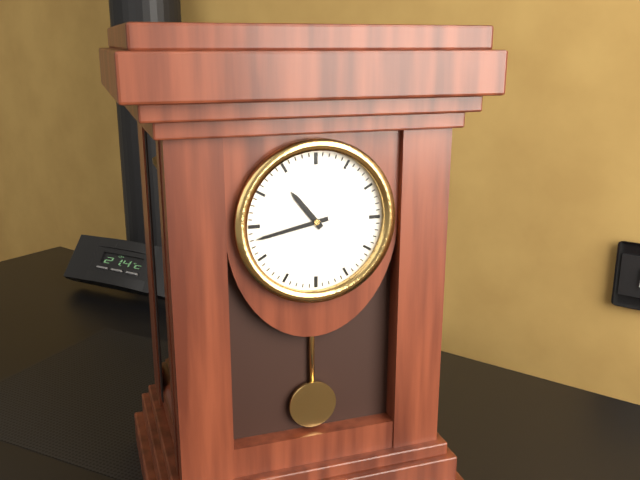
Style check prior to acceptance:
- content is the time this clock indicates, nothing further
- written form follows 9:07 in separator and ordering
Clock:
10:43
